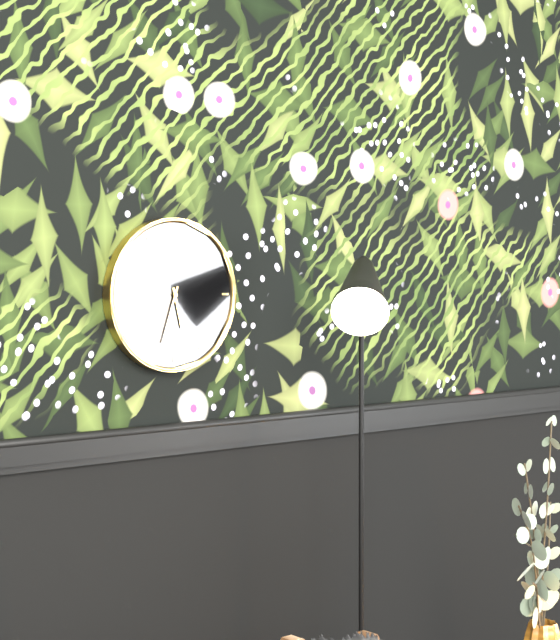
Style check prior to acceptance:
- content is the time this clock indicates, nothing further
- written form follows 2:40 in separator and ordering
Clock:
5:33
